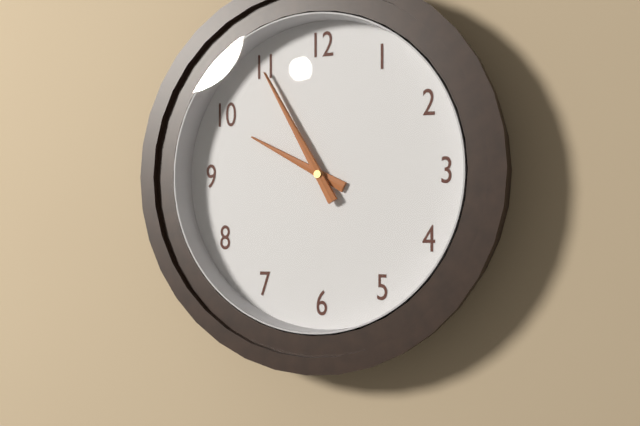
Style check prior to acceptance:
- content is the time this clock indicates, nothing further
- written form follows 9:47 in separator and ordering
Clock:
9:55
